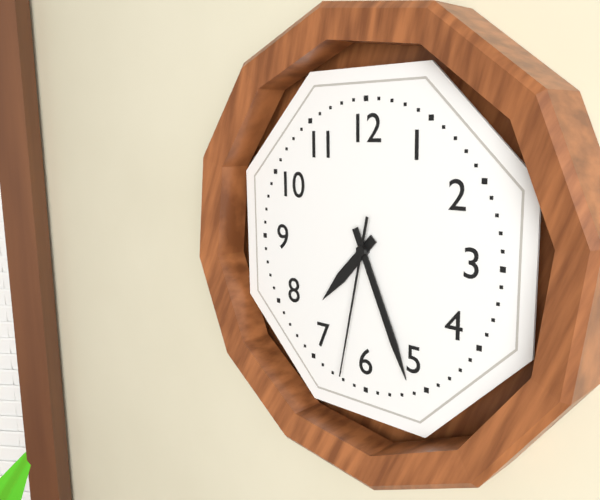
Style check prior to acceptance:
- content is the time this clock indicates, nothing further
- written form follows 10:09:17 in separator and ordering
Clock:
7:26:32
